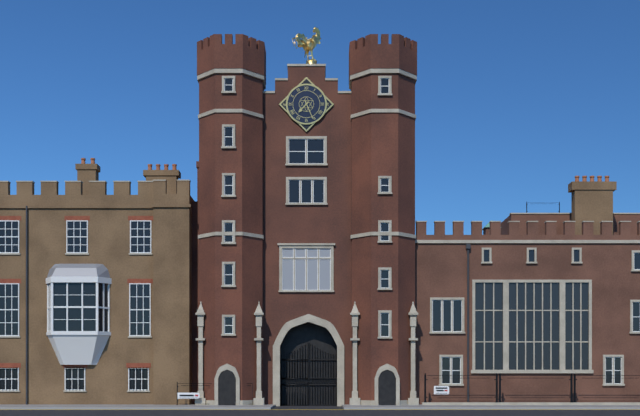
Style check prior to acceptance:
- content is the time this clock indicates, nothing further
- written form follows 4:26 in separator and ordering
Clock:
7:26
